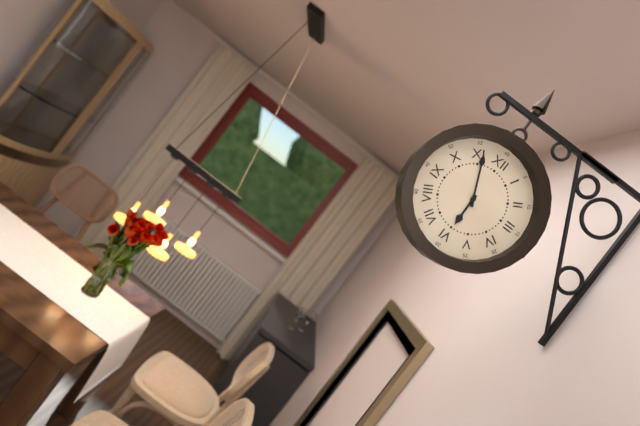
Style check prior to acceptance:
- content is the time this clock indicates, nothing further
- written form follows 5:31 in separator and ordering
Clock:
5:56
